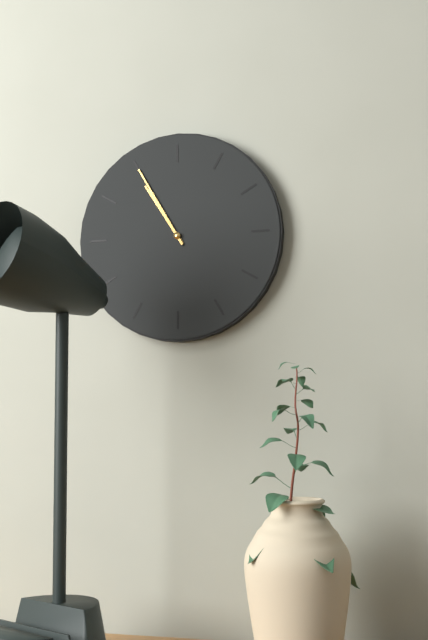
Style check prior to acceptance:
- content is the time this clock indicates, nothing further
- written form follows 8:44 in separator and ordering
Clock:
10:55
